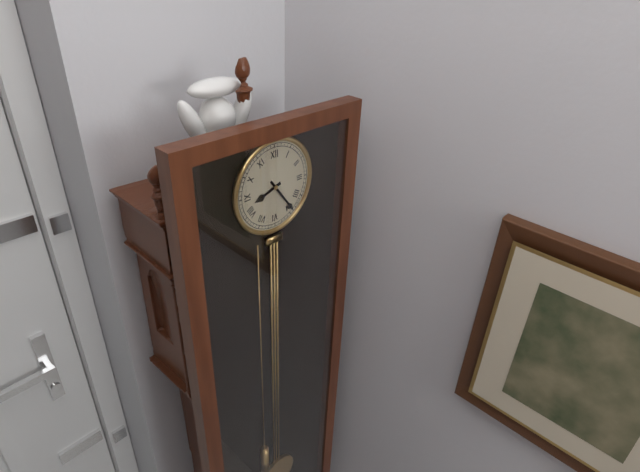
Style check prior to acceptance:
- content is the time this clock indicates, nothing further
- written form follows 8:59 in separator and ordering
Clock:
8:24
